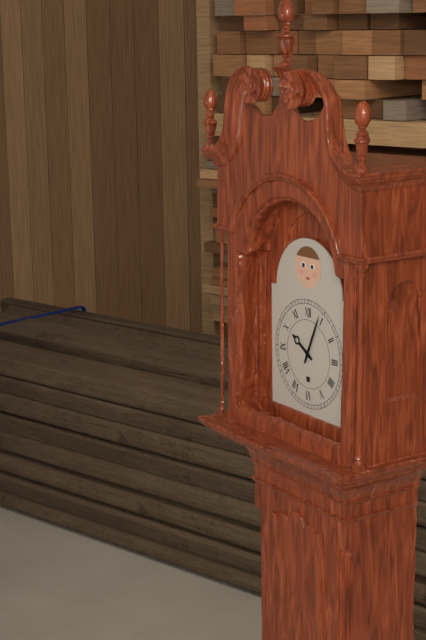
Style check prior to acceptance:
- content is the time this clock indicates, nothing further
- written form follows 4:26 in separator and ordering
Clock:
10:04
